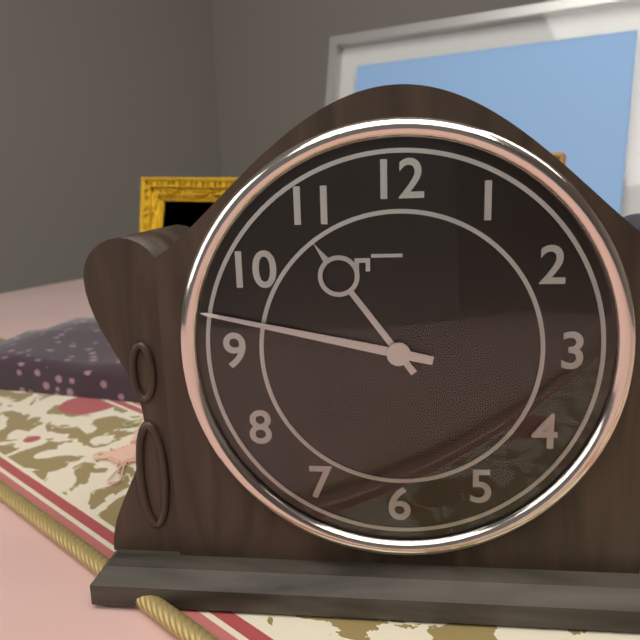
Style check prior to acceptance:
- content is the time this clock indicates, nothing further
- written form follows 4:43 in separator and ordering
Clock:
10:47
